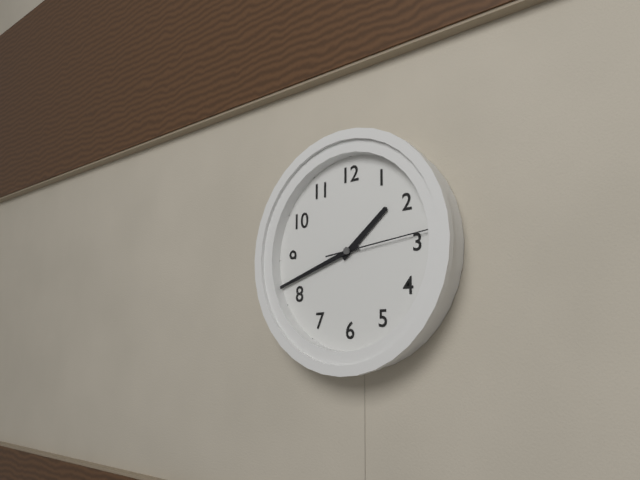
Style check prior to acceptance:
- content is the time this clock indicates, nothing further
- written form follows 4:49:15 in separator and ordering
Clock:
1:42:14
